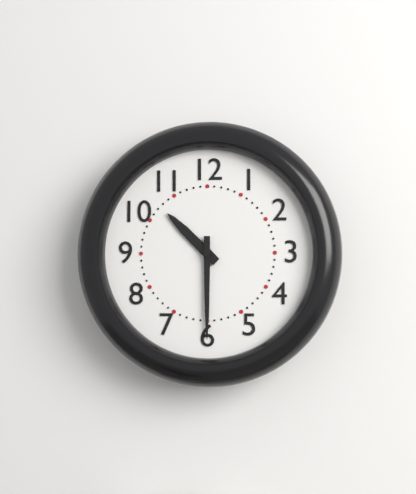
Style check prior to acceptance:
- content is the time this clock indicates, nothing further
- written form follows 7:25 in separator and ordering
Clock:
10:30
